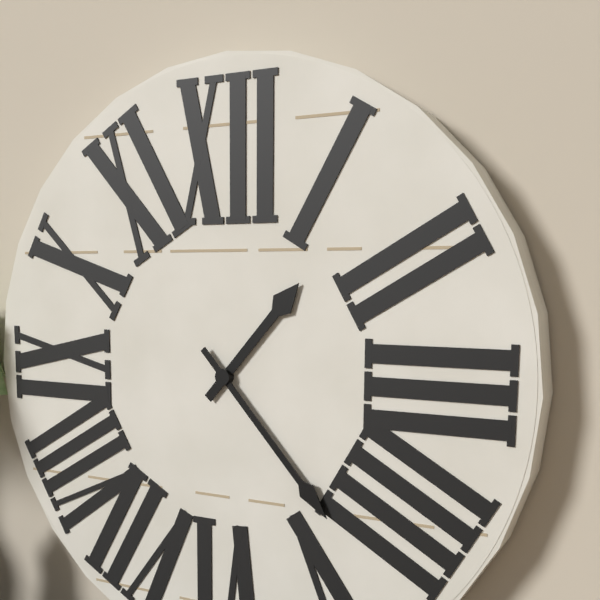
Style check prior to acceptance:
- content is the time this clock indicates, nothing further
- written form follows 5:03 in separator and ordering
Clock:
1:23
